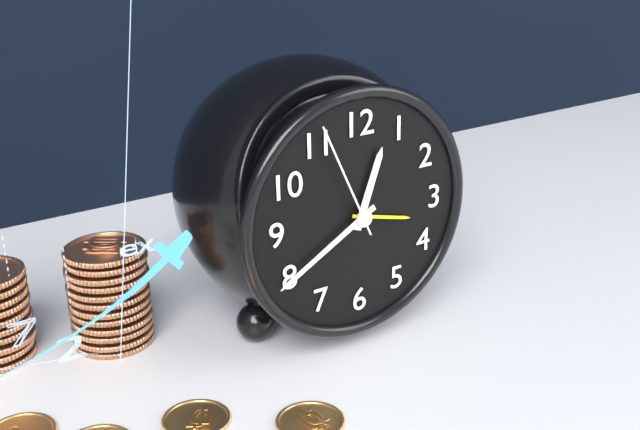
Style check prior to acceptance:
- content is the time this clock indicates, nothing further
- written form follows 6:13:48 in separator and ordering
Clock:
12:40:56
